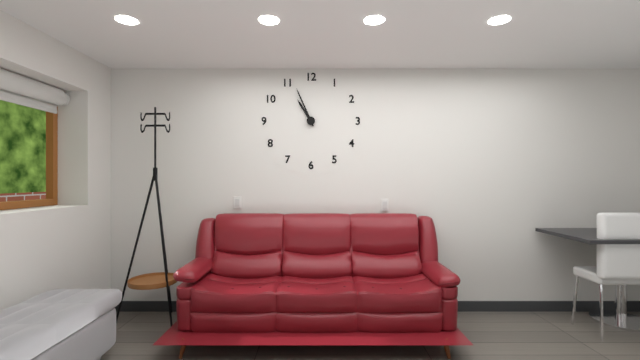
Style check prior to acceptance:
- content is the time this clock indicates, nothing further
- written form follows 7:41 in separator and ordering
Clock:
10:56
